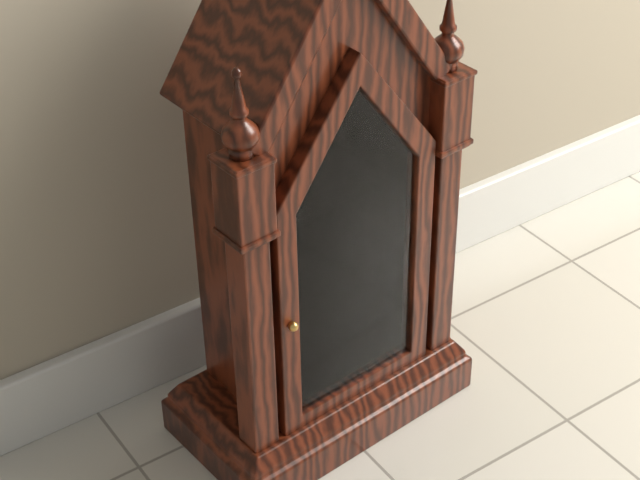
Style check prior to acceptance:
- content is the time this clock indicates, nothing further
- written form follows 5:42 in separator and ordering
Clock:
8:43
